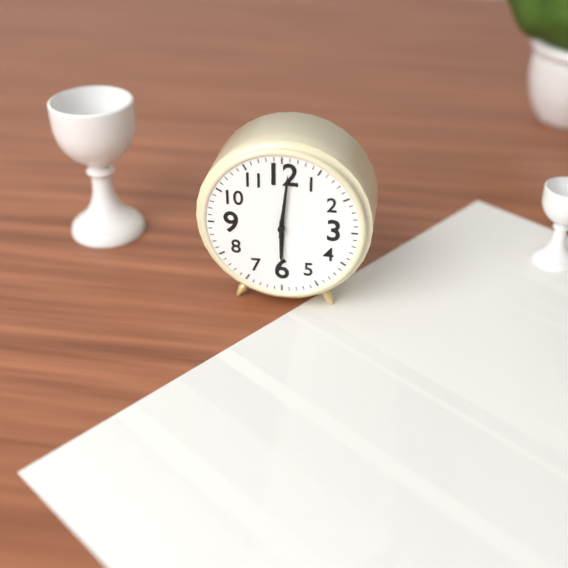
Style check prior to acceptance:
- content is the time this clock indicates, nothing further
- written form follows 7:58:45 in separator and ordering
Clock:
6:01:30
